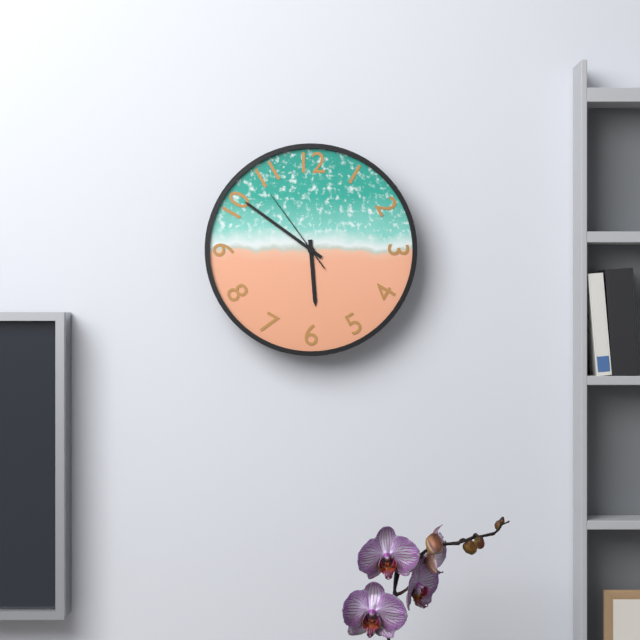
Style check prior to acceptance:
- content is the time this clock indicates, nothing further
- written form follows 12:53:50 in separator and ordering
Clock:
5:51:54
